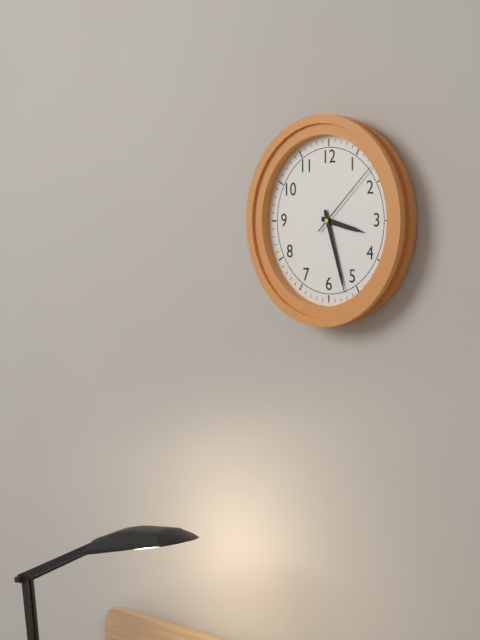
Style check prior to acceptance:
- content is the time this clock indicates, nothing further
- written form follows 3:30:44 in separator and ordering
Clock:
3:27:08
